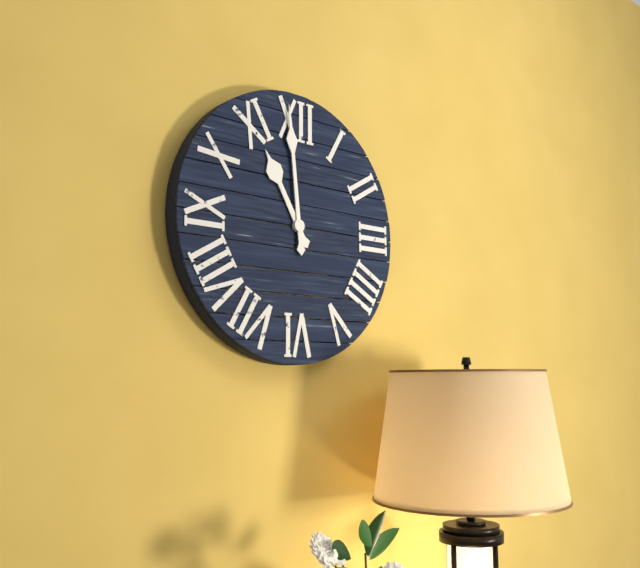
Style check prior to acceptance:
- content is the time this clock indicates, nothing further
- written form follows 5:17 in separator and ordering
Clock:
10:59
